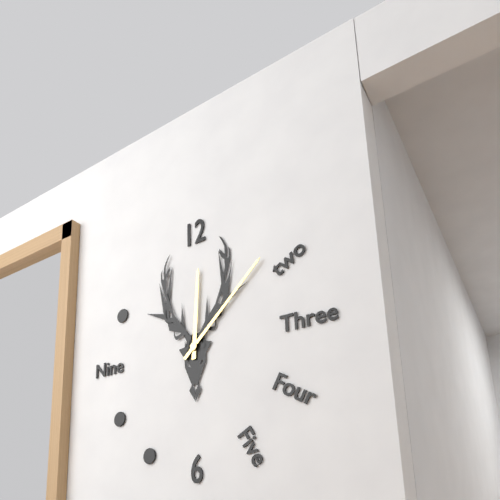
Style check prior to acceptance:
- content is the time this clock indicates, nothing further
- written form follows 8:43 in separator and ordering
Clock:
12:08
